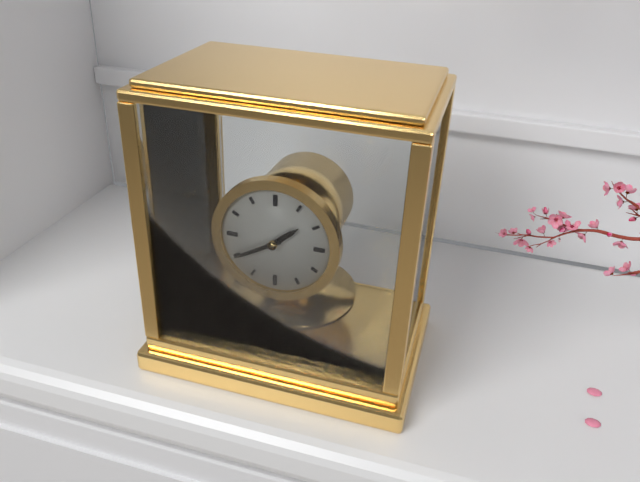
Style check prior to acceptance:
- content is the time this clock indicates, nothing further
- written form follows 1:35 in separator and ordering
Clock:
1:40
